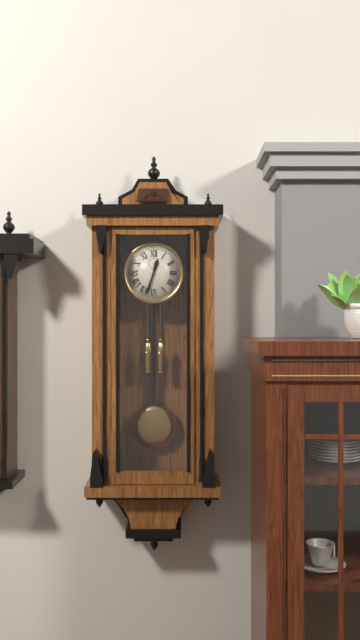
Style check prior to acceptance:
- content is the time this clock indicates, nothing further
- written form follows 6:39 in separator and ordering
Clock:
12:33
